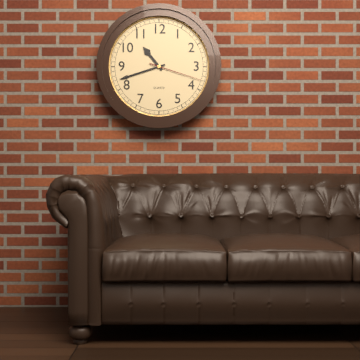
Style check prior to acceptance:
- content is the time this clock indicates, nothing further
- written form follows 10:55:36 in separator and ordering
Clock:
10:42:18
